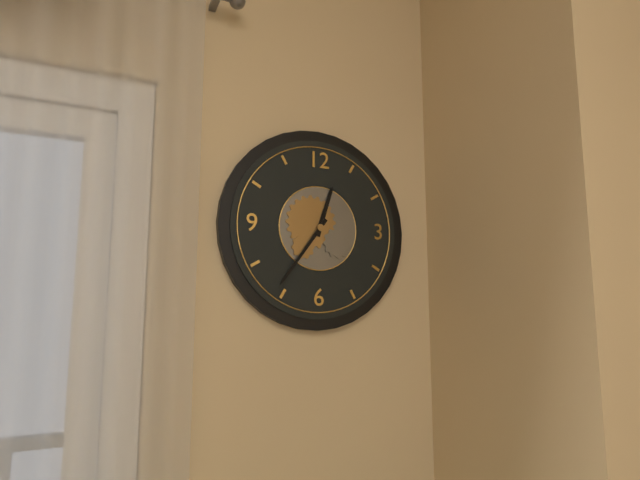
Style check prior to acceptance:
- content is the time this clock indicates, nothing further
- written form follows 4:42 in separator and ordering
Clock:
12:36
